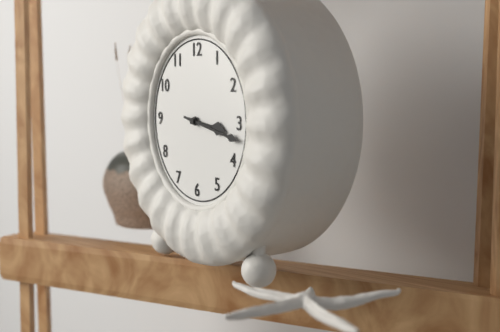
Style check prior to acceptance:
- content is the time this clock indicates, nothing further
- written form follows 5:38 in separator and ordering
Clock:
3:17
